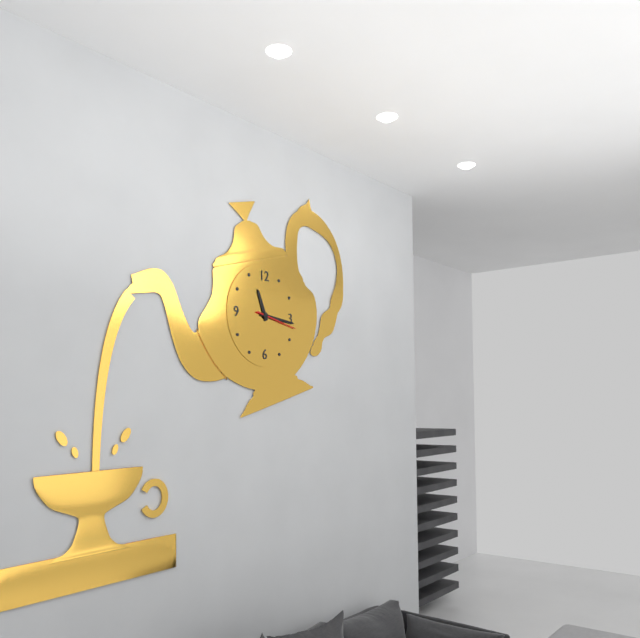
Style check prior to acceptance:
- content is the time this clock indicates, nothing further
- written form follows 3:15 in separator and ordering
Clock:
11:16
